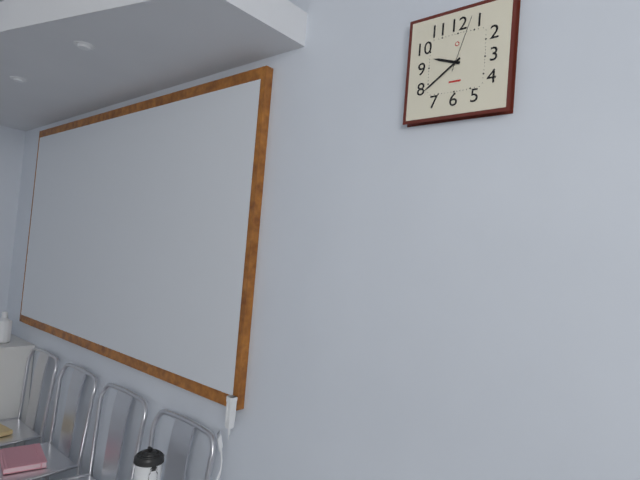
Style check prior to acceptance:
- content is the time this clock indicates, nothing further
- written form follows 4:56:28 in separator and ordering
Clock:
9:39:03
